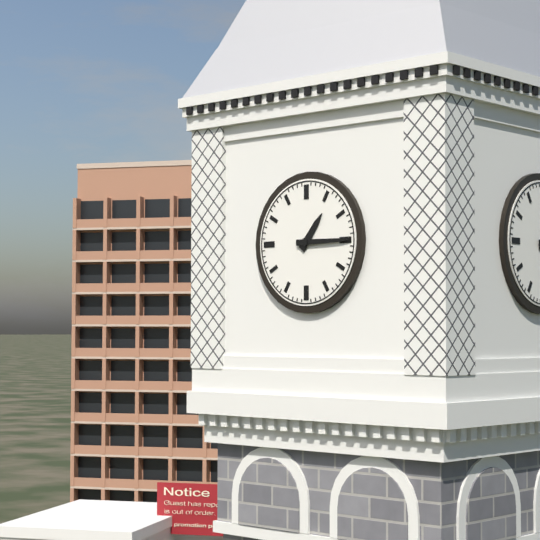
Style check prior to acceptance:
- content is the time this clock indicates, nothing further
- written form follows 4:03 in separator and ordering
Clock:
1:15
